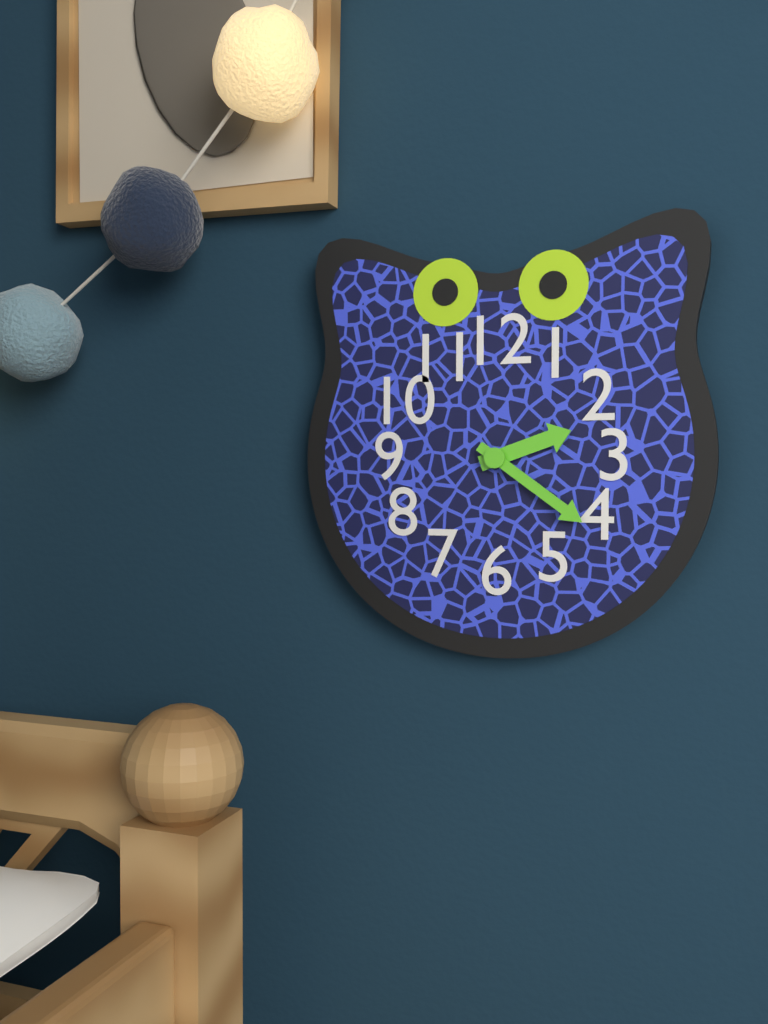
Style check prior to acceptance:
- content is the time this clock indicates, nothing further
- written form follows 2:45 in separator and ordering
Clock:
2:21
